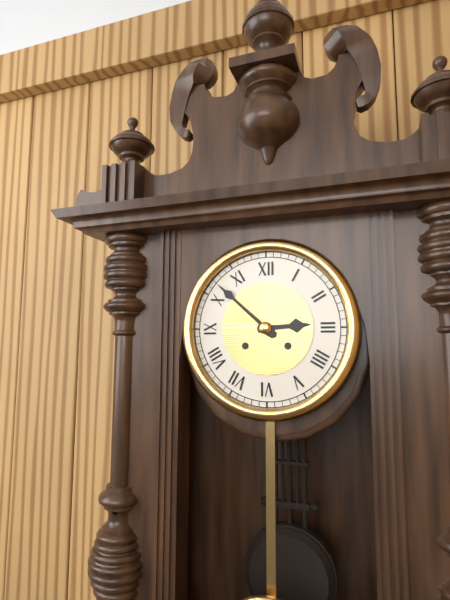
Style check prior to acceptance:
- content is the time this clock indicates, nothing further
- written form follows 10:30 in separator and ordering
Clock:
2:52
